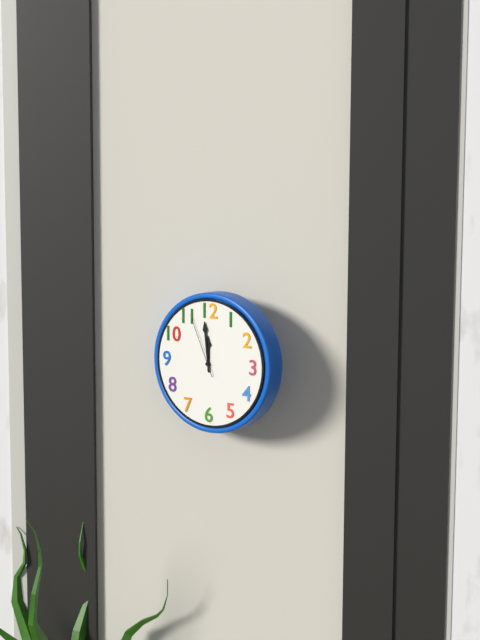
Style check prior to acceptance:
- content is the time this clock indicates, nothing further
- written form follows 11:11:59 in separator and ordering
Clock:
11:59:56
